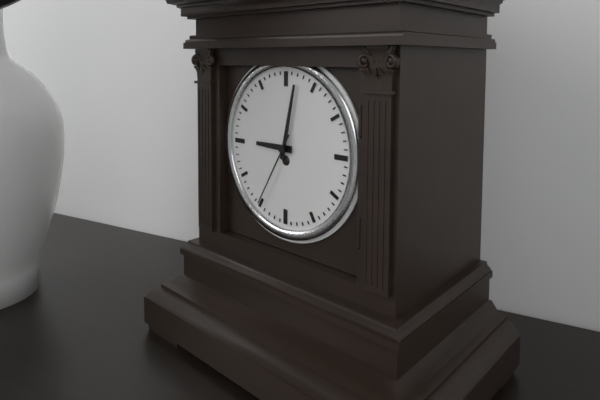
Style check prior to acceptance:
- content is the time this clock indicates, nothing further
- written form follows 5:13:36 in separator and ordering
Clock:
9:02:35
